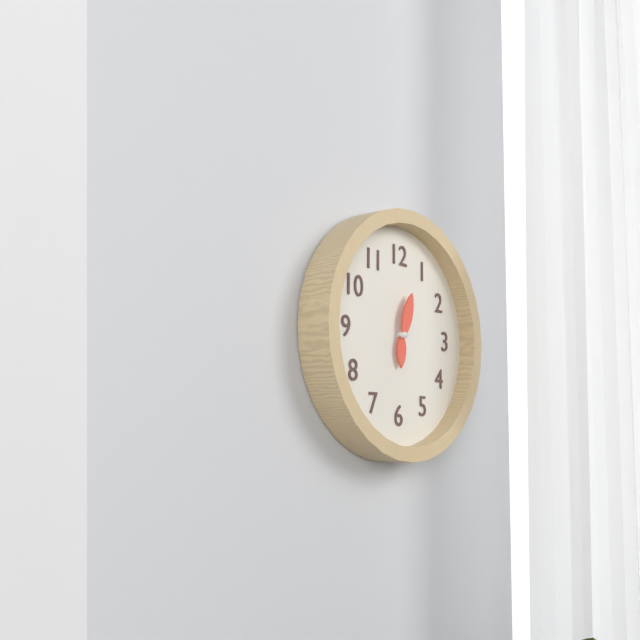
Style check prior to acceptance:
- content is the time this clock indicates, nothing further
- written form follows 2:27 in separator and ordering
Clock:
6:03
